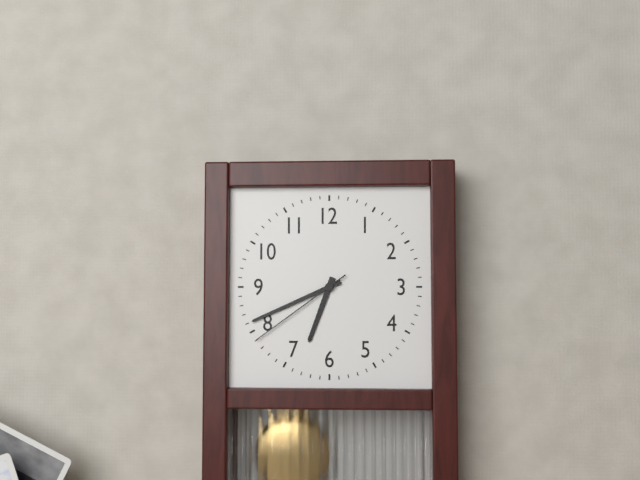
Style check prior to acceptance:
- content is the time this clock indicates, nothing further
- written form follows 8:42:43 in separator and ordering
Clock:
6:41:39
